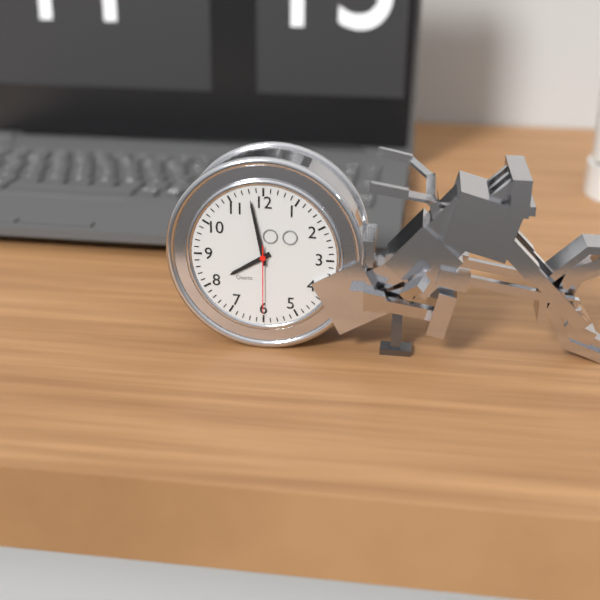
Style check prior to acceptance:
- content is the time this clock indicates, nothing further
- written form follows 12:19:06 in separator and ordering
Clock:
7:58:30
